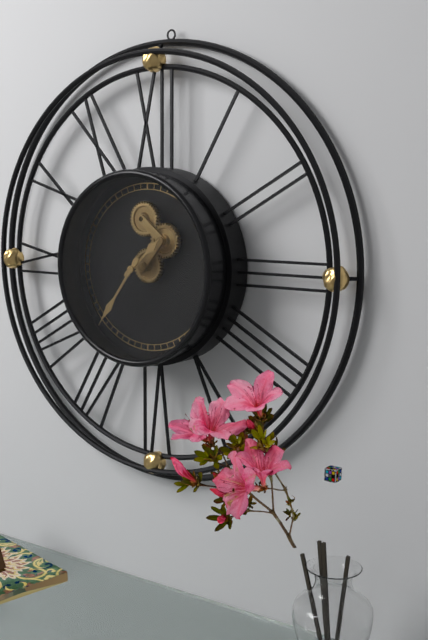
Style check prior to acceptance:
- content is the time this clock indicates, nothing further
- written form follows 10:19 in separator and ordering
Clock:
1:36
